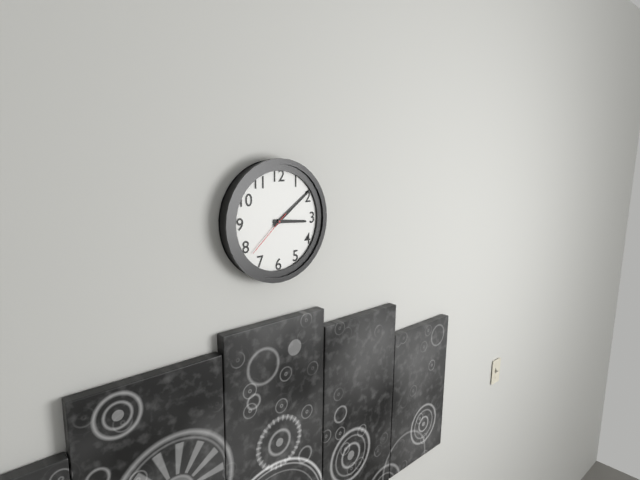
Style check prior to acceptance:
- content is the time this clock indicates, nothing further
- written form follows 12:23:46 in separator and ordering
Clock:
3:09:38
